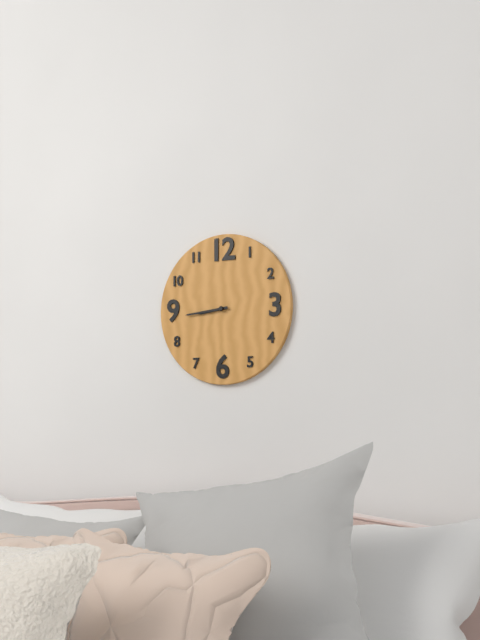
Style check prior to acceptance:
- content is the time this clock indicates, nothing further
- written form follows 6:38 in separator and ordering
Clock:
8:44
